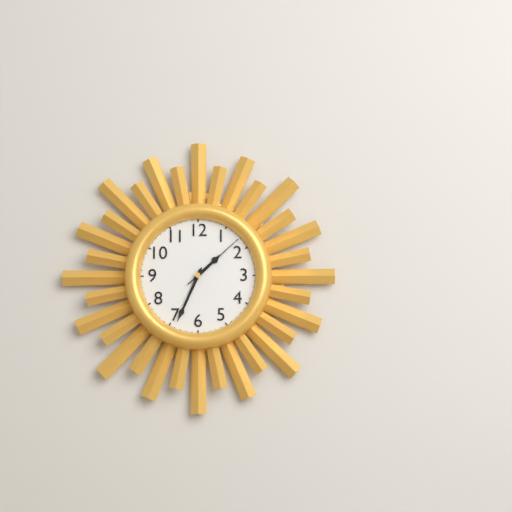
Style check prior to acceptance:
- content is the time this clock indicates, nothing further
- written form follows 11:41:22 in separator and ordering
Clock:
1:34:08
